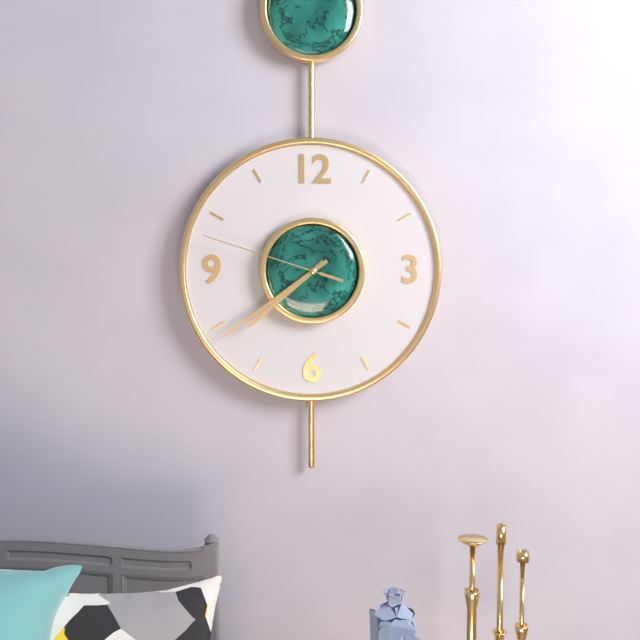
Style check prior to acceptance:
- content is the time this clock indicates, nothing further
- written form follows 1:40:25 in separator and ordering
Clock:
7:39:48
